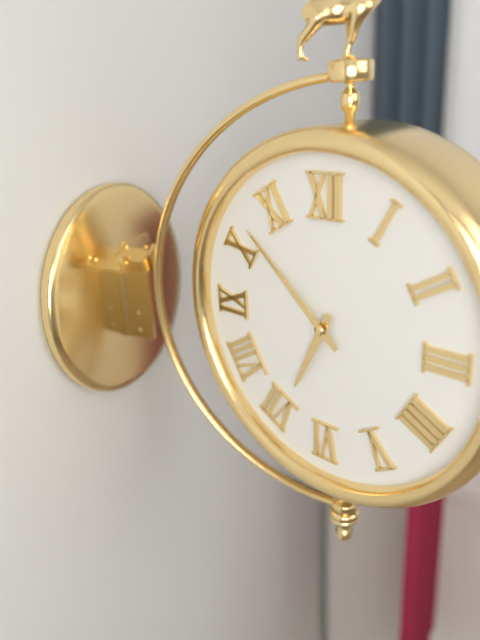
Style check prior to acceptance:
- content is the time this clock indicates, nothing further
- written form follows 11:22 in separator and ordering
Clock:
6:52
